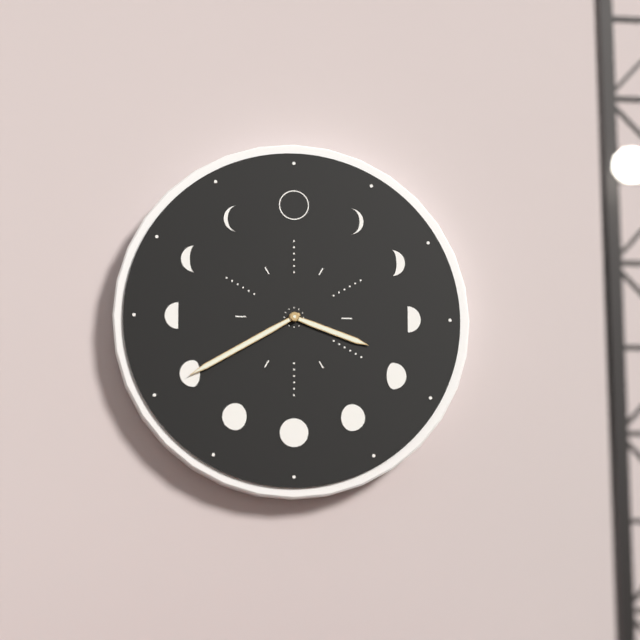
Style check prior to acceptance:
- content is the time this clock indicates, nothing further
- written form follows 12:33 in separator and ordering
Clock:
3:40
